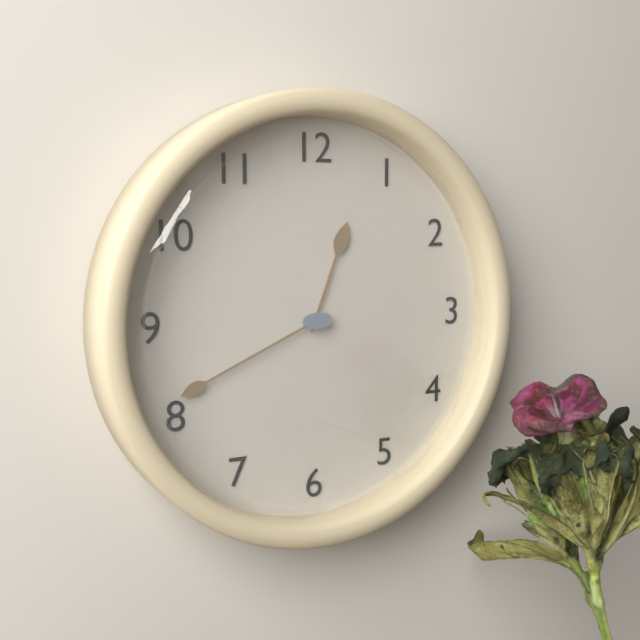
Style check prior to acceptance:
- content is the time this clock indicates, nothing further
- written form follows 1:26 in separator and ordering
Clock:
12:41
